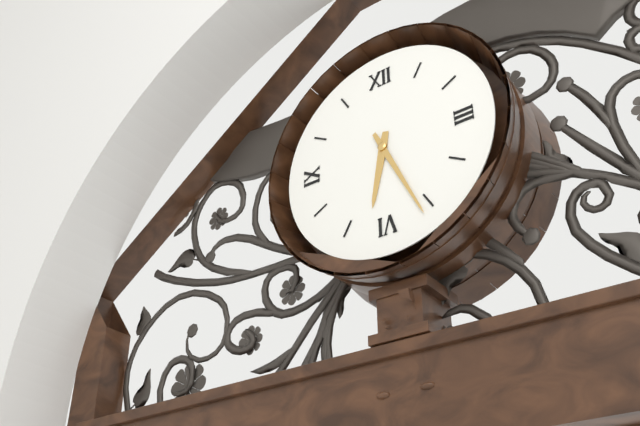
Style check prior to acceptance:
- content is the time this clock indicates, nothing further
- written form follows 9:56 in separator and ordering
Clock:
6:26
